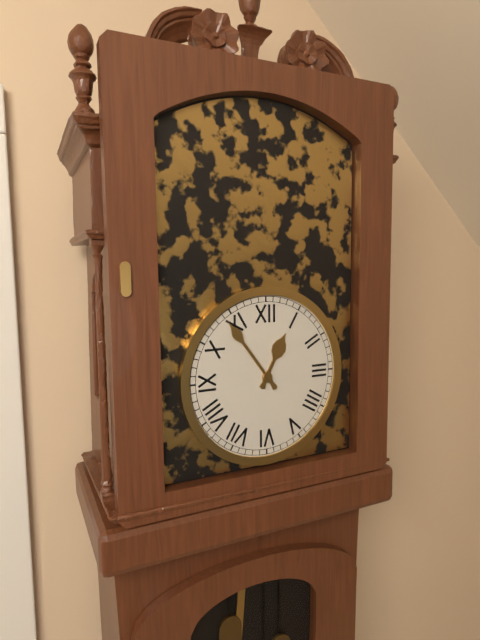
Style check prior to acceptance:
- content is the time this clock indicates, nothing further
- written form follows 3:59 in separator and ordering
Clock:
12:54
